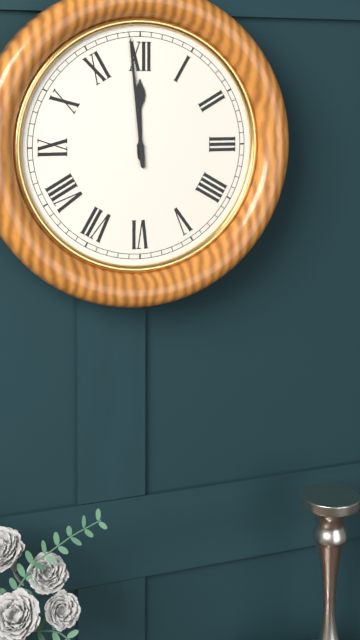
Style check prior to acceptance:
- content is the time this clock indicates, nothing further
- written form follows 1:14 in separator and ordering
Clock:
11:59
